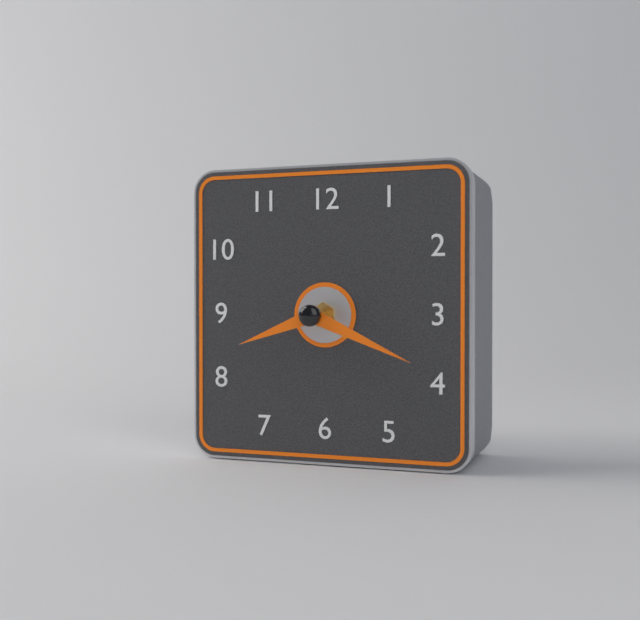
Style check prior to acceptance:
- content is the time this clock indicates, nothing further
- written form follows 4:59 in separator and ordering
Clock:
8:19
